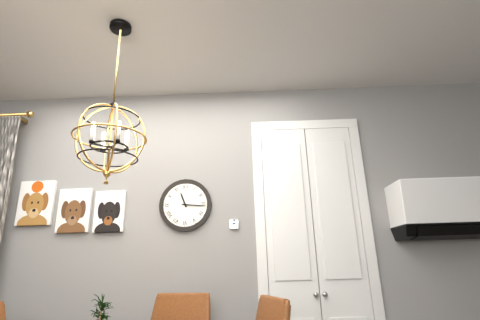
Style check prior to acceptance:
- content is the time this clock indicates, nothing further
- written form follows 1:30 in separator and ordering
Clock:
11:16
